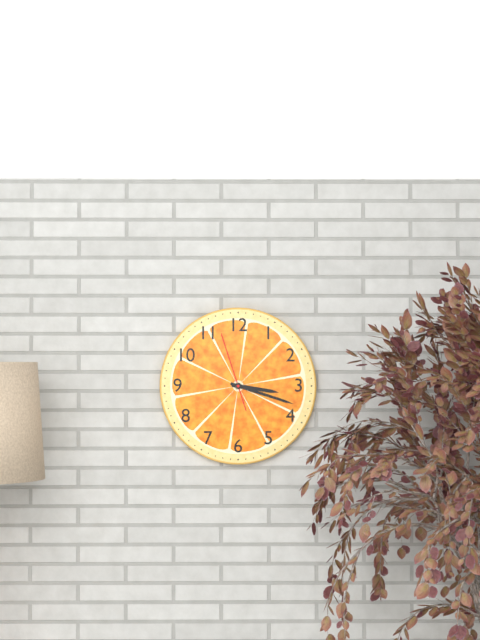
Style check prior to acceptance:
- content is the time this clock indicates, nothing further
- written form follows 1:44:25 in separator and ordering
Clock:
3:18:57
